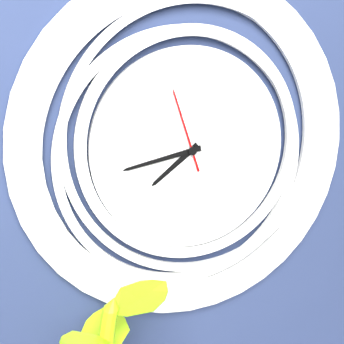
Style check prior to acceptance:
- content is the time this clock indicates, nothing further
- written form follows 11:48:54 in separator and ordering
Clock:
7:43:57
